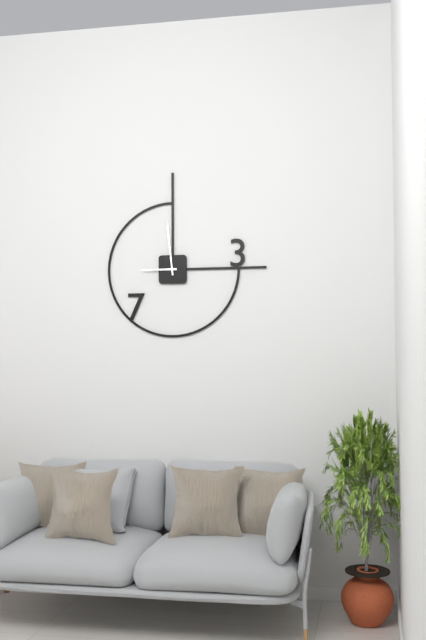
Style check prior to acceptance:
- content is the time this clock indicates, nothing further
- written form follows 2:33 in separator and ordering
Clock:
8:59
